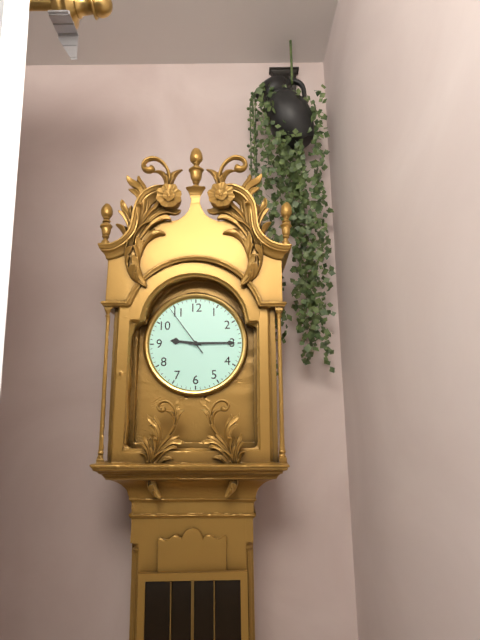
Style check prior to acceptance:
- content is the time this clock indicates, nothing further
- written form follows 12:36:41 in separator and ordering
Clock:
9:15:54
